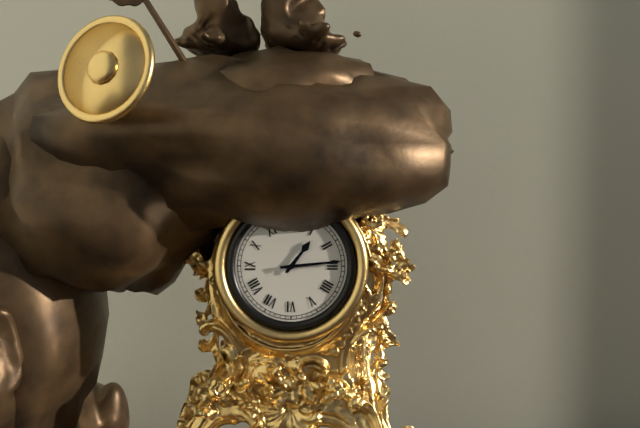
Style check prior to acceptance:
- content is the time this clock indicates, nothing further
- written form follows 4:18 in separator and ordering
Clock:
1:14
